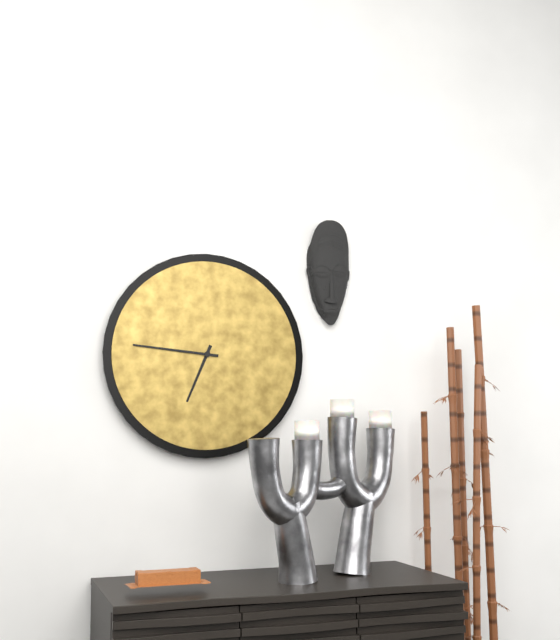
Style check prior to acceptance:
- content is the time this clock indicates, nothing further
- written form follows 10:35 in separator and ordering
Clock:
6:46
